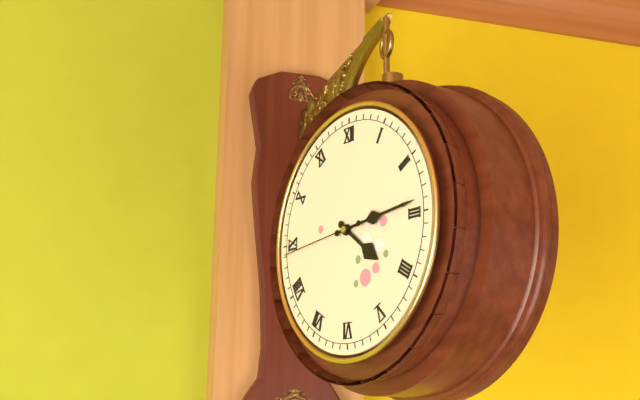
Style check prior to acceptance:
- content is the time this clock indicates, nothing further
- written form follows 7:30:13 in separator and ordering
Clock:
4:14:44
